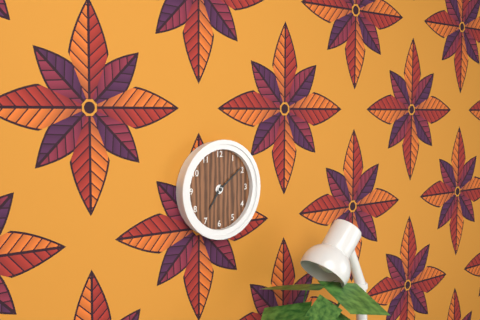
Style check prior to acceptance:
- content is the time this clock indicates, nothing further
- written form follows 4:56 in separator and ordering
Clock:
7:09
